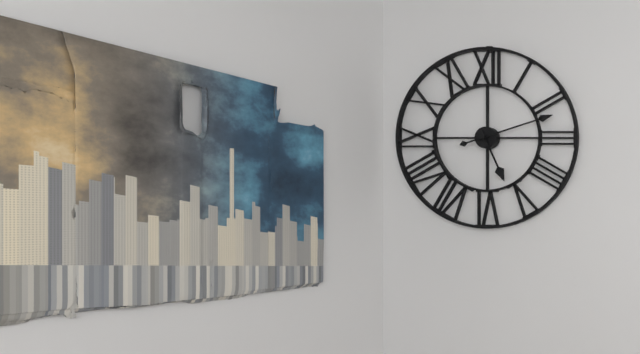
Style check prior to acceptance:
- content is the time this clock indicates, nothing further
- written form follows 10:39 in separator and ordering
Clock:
5:12
